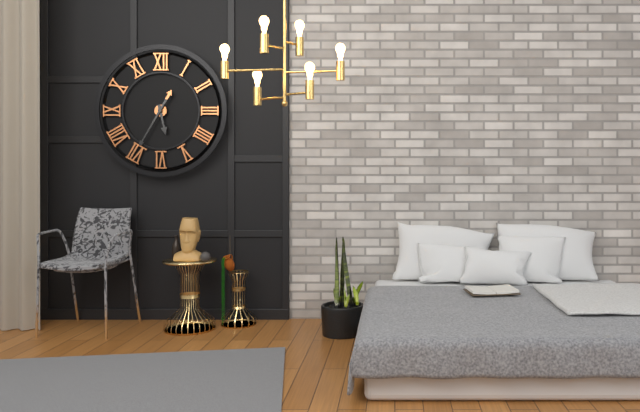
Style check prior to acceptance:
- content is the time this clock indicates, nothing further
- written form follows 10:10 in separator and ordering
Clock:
5:35
